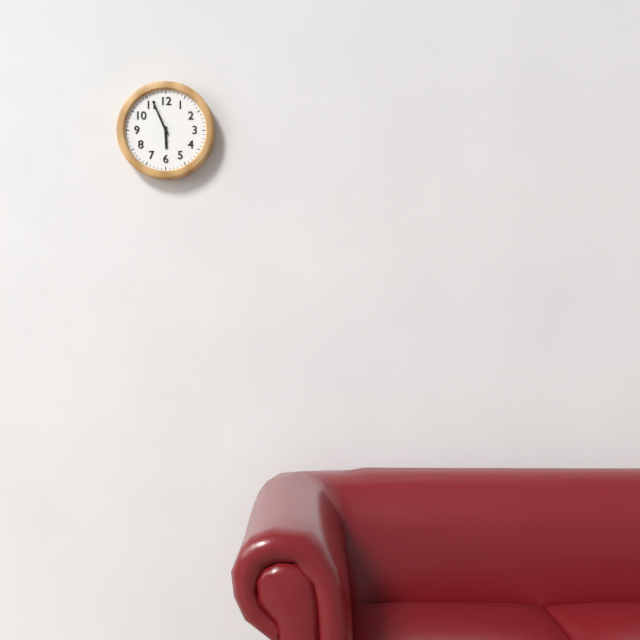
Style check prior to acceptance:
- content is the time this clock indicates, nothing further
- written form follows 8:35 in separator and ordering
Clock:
5:56
